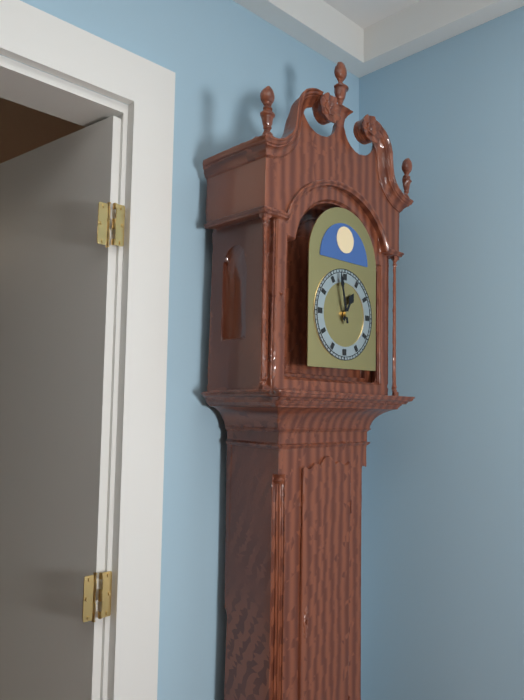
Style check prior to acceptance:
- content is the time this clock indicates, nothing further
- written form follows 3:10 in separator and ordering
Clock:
12:58
